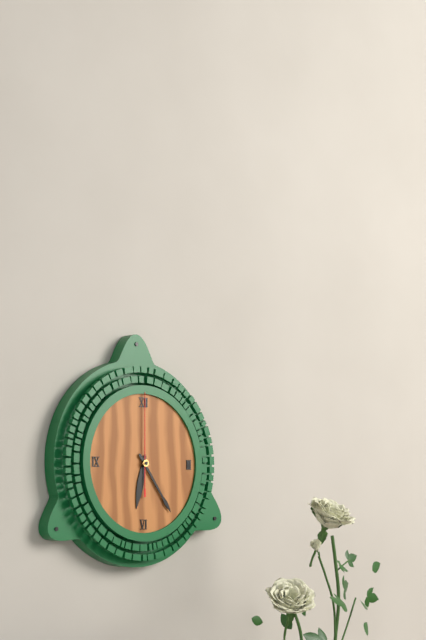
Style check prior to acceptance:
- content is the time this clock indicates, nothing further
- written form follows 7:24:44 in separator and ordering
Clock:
6:24:00
